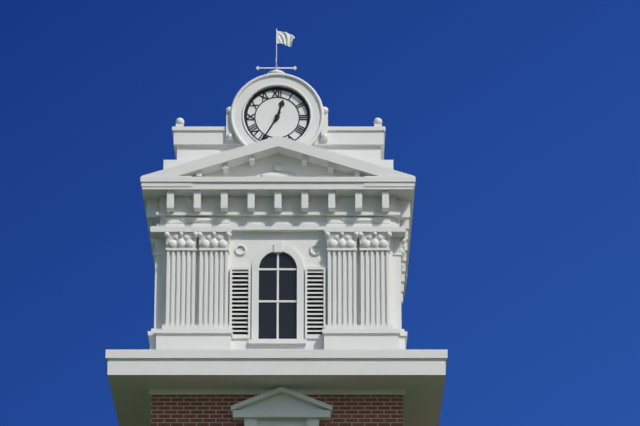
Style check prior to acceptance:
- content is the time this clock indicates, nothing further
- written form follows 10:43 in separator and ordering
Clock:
12:35
